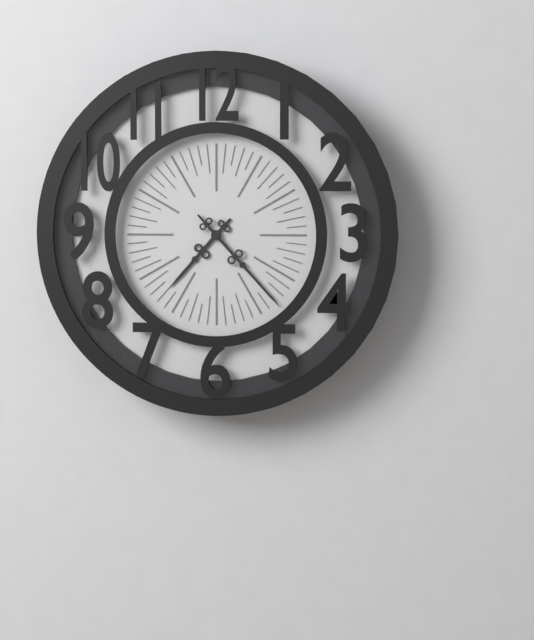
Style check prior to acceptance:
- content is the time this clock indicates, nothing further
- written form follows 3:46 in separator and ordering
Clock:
7:23
